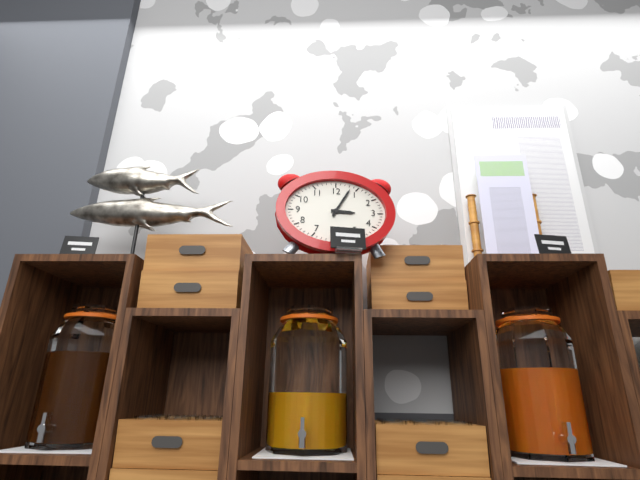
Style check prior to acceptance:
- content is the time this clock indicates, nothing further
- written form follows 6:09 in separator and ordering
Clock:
3:05
